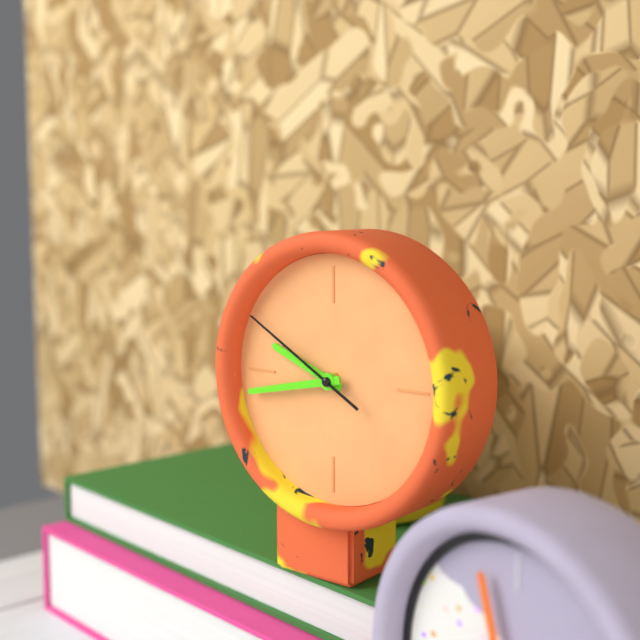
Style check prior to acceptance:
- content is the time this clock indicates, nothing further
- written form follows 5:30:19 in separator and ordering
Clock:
9:43:50
